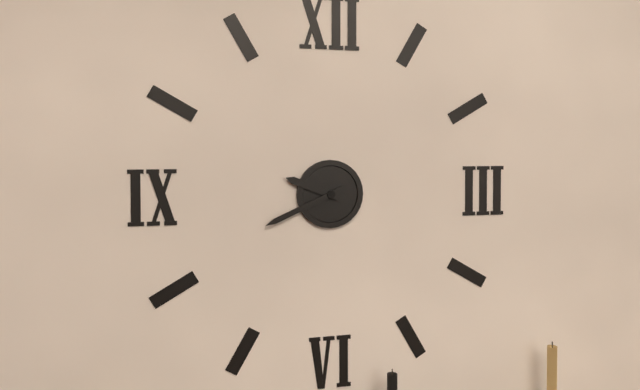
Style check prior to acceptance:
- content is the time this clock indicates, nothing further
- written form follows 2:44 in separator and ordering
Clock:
9:41
